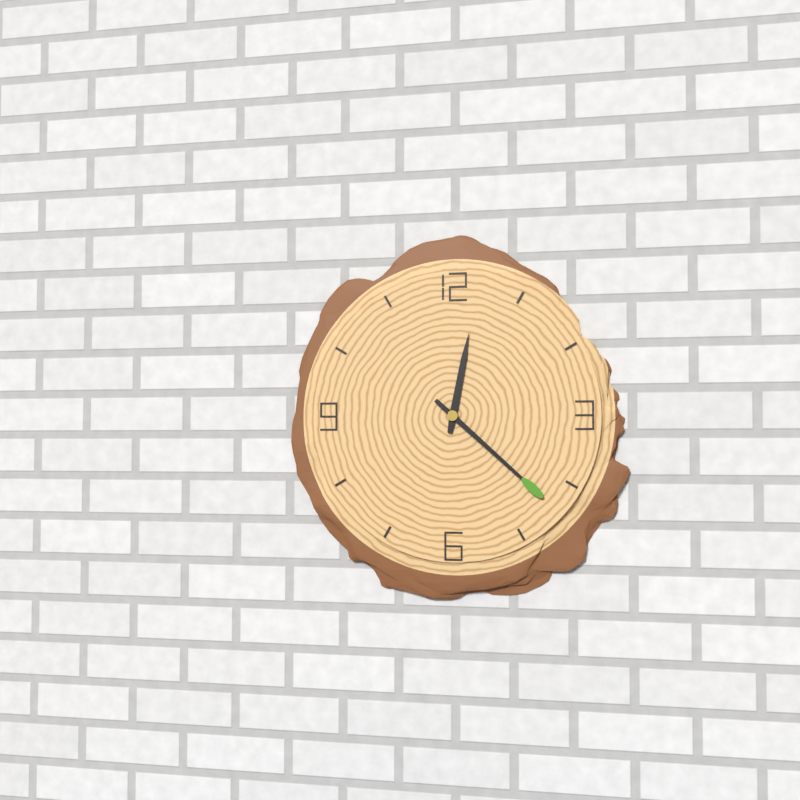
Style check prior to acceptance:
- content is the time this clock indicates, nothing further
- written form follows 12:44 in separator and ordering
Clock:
12:22
